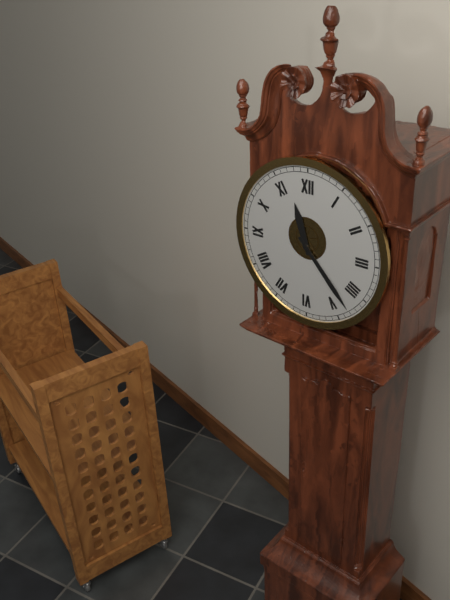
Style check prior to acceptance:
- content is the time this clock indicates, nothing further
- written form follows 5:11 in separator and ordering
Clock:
11:23
